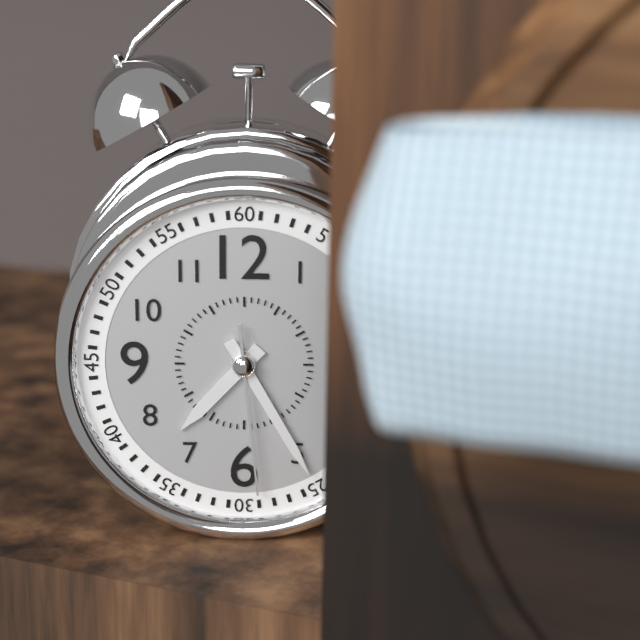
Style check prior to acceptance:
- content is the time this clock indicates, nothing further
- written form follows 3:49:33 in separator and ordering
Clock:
7:25:29
